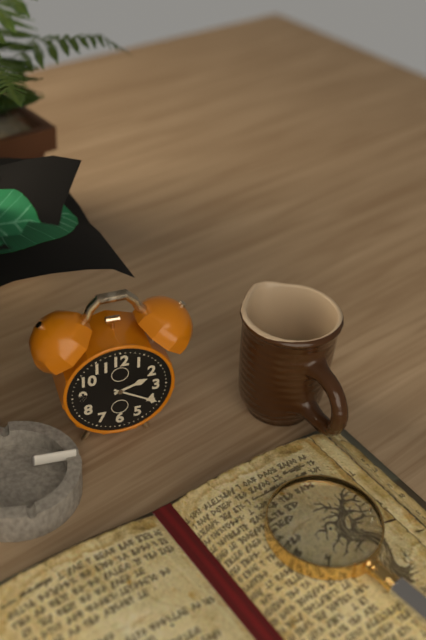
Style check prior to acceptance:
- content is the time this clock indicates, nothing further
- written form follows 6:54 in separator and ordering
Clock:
2:20
